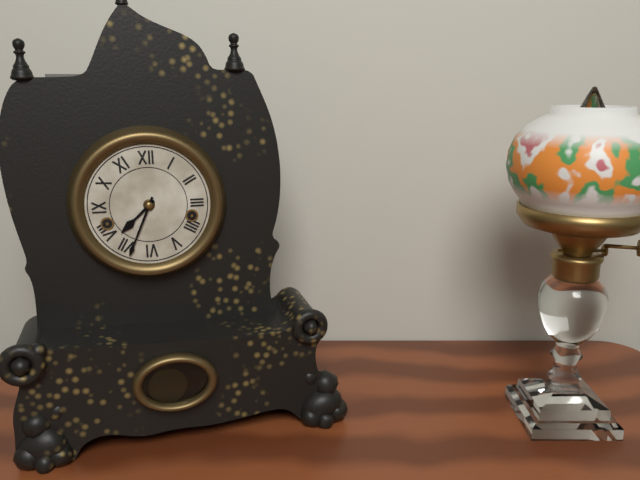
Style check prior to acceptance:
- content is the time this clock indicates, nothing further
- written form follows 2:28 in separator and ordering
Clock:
7:34
